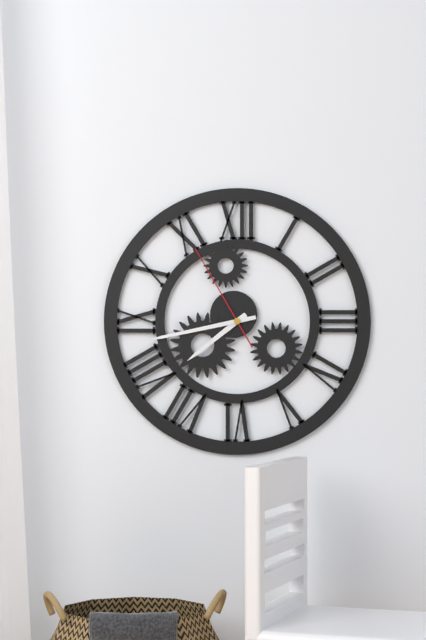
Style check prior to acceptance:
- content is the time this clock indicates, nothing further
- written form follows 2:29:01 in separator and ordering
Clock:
7:43:55
